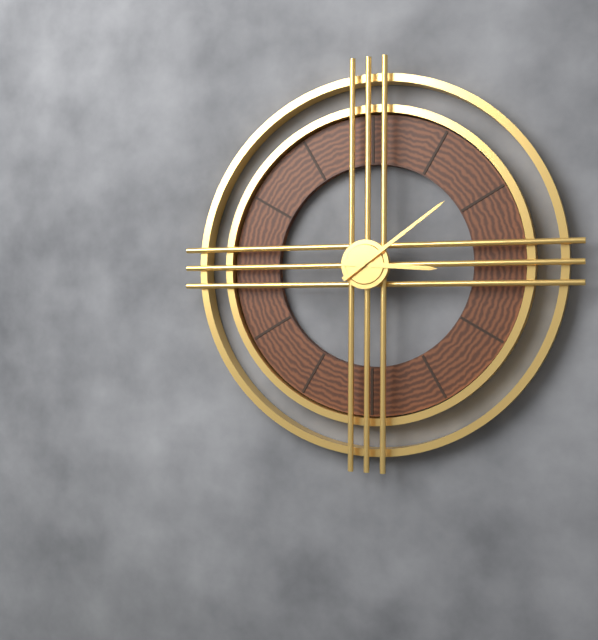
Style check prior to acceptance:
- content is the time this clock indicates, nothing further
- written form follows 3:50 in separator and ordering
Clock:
3:09
